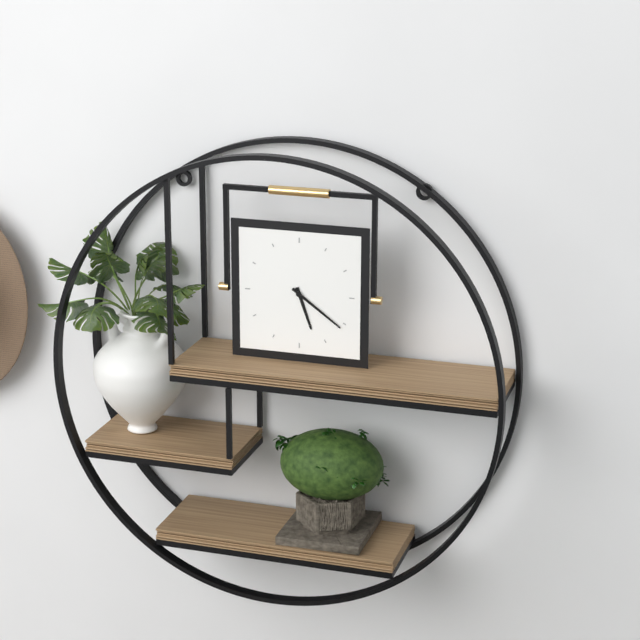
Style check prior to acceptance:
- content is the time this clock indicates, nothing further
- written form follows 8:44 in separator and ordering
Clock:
5:21
